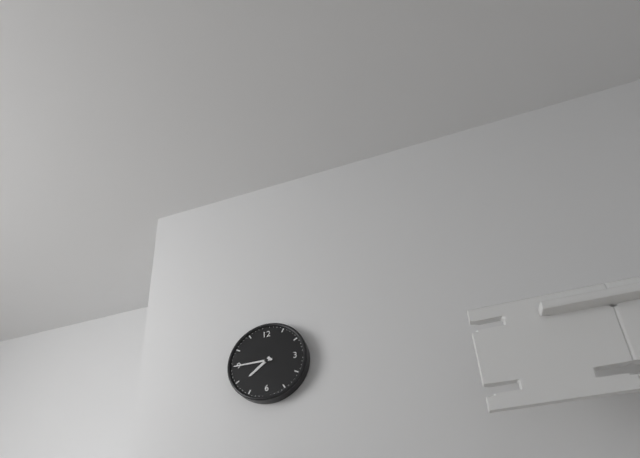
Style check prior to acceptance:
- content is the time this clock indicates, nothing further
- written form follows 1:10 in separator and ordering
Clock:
7:45
